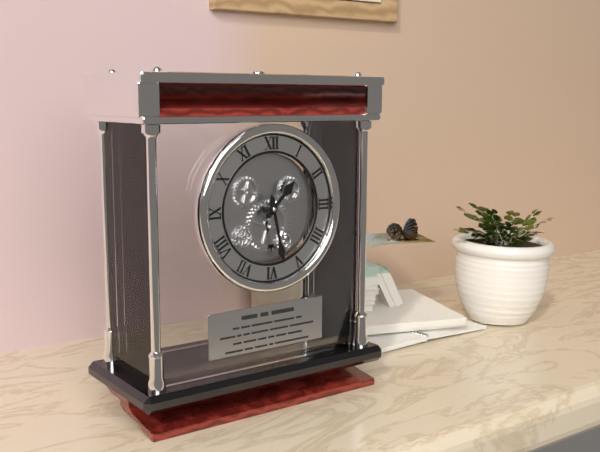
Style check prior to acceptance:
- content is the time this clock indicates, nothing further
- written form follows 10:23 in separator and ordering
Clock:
1:28
